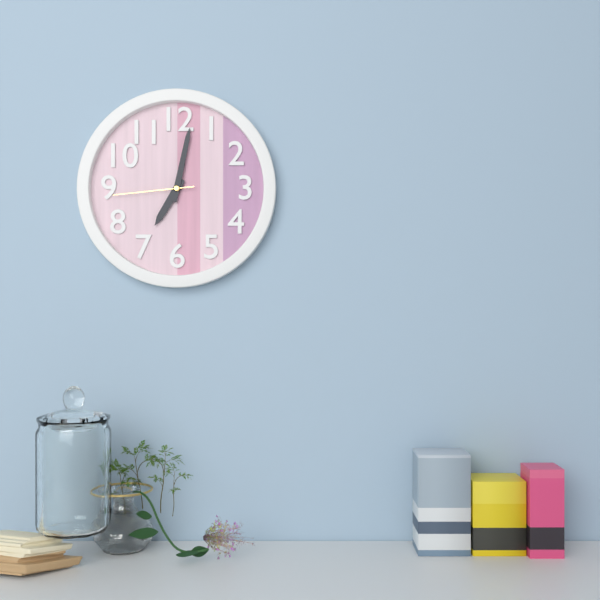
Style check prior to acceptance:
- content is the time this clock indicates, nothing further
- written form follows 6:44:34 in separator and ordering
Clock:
7:02:44
